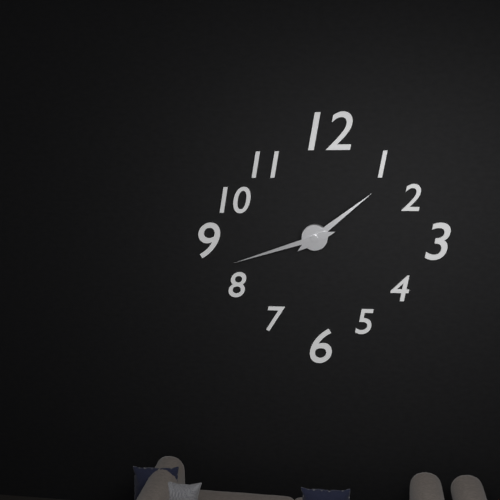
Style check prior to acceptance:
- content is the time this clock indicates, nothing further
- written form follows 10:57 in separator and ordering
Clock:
1:42
